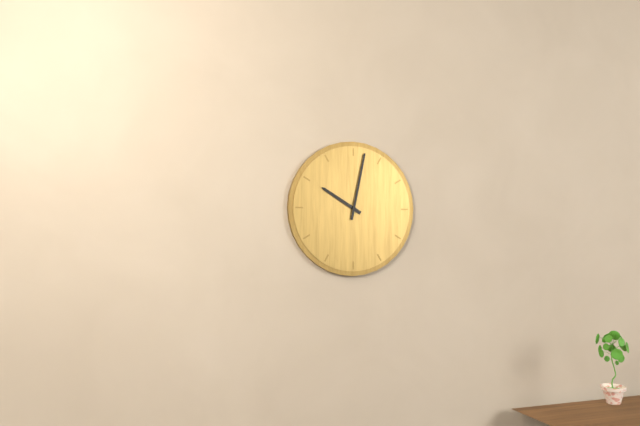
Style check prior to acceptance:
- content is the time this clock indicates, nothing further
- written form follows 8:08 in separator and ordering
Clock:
10:02
